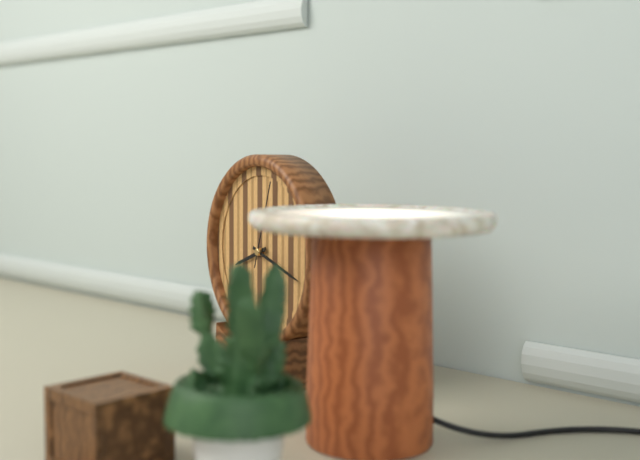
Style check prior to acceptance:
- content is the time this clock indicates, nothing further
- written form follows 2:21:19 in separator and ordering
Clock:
8:18:03
